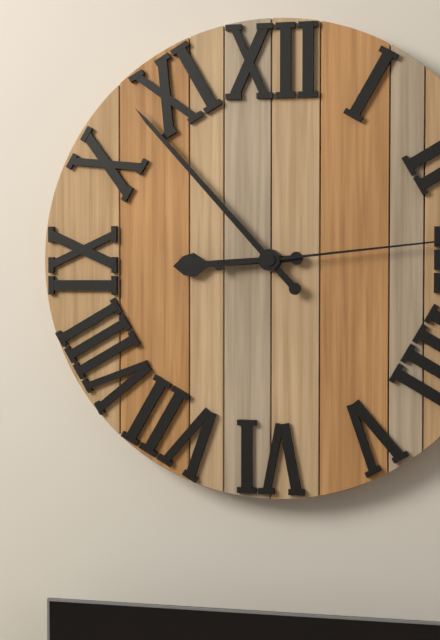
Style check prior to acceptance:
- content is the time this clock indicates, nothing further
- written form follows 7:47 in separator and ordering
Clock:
8:53
